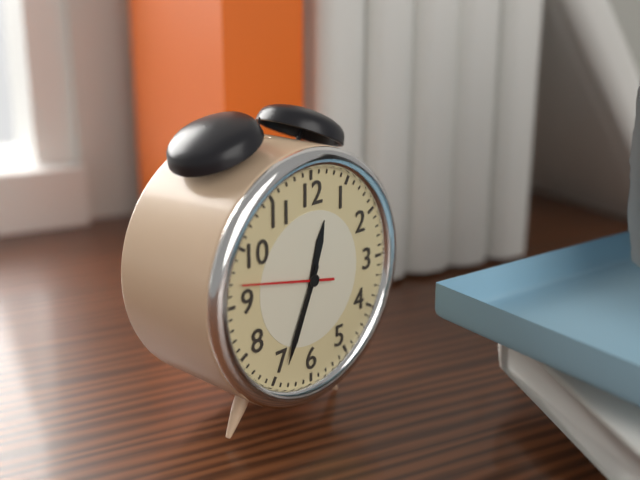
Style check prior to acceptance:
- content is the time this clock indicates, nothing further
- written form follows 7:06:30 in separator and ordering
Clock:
12:34:47
